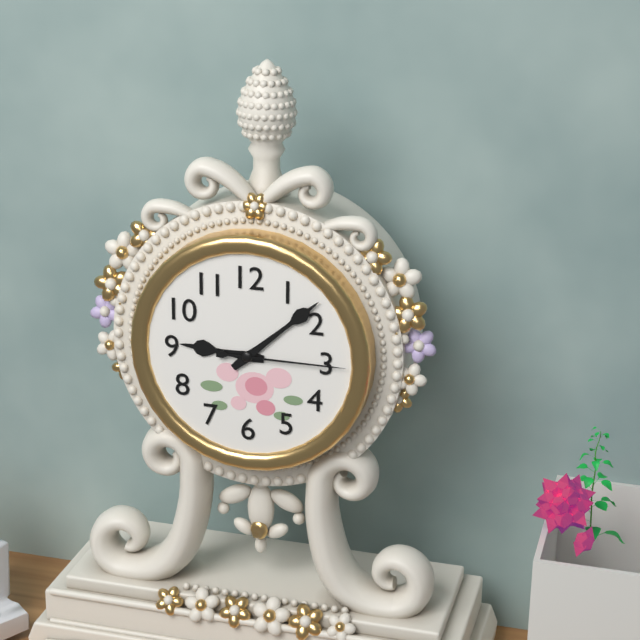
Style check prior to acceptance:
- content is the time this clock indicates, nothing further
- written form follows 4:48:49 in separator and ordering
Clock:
9:08:15
